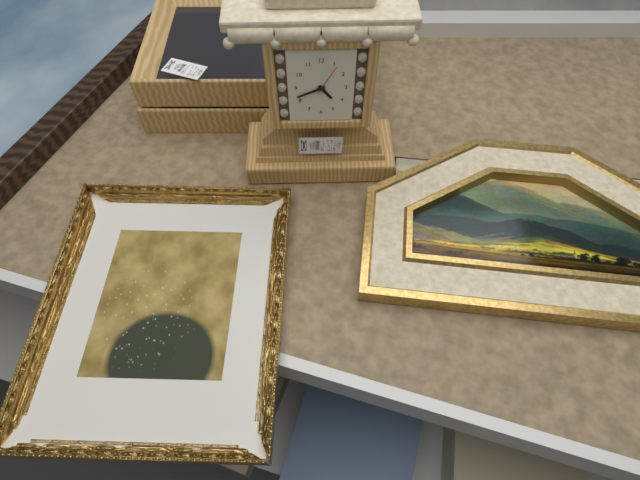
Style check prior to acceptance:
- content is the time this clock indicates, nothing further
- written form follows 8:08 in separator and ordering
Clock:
4:41
